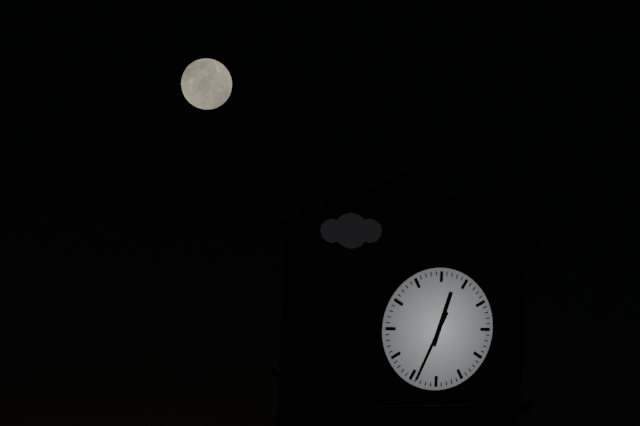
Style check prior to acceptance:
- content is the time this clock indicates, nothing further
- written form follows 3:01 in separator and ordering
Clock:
12:34
